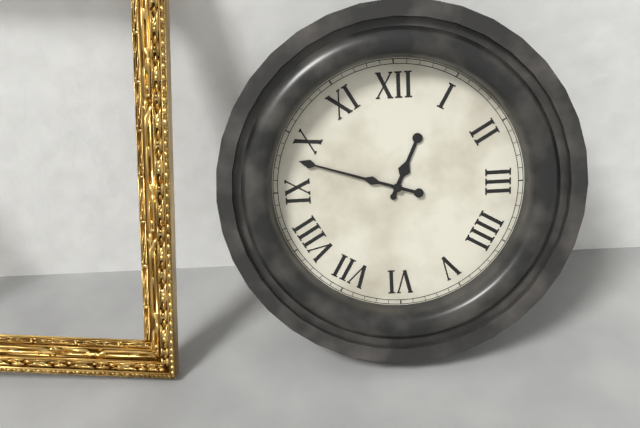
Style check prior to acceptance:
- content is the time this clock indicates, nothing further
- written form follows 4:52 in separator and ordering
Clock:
12:48
